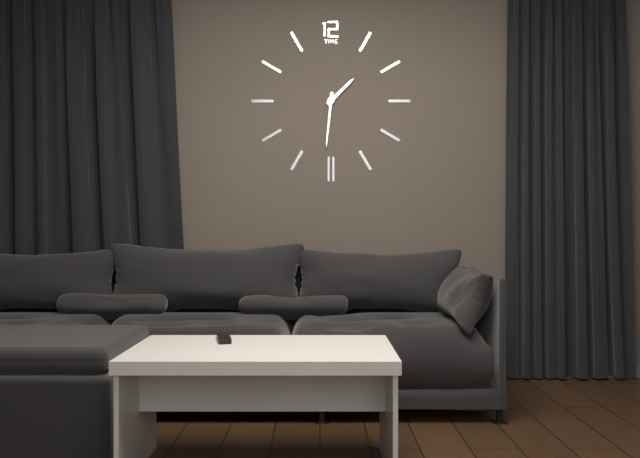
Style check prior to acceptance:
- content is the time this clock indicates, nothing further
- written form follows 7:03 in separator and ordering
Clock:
1:31
